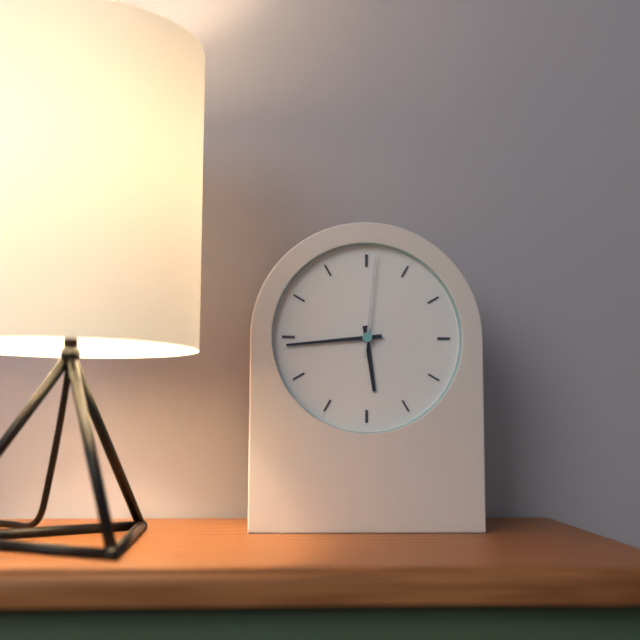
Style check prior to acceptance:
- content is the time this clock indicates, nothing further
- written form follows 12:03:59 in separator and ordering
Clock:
5:44:01
